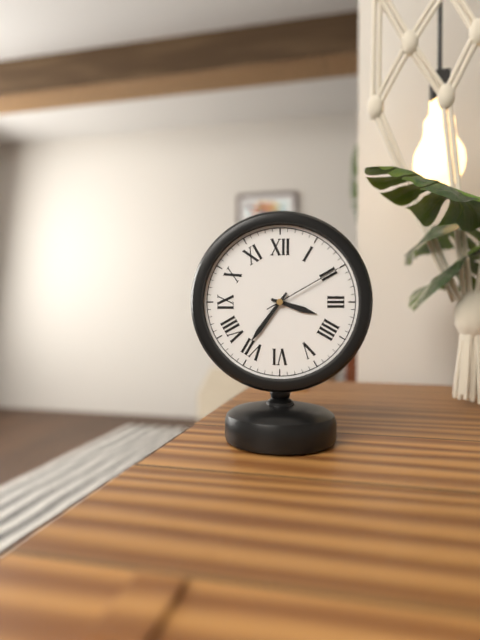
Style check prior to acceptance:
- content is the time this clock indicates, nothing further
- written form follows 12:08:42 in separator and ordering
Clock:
3:36:10
